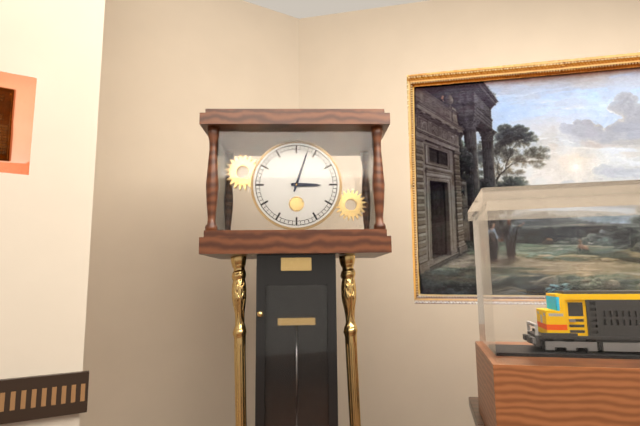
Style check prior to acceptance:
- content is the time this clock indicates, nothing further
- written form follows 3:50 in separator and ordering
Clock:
3:03
